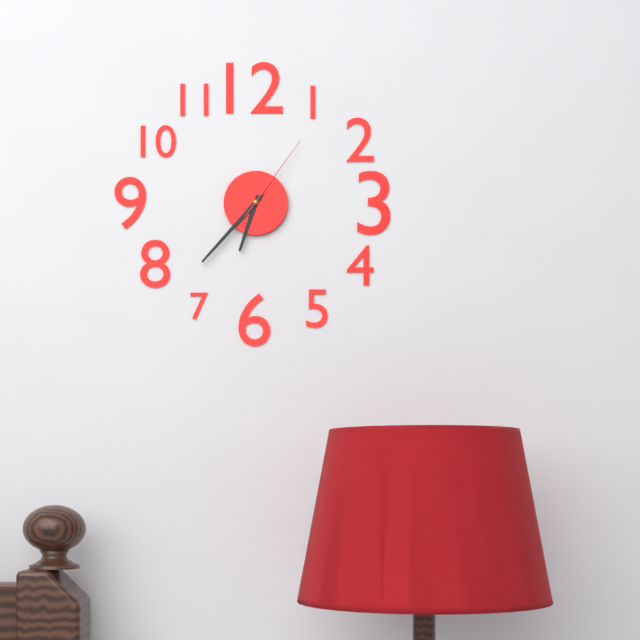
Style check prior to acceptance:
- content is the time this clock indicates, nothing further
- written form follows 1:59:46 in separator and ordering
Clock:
6:37:06
